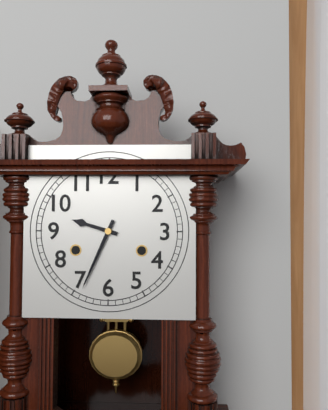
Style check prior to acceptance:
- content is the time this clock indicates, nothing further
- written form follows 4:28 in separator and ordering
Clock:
9:34
